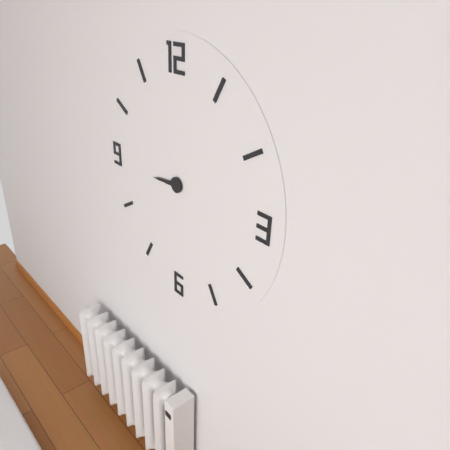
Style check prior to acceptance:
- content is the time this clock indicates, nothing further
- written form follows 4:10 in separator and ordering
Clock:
8:44
